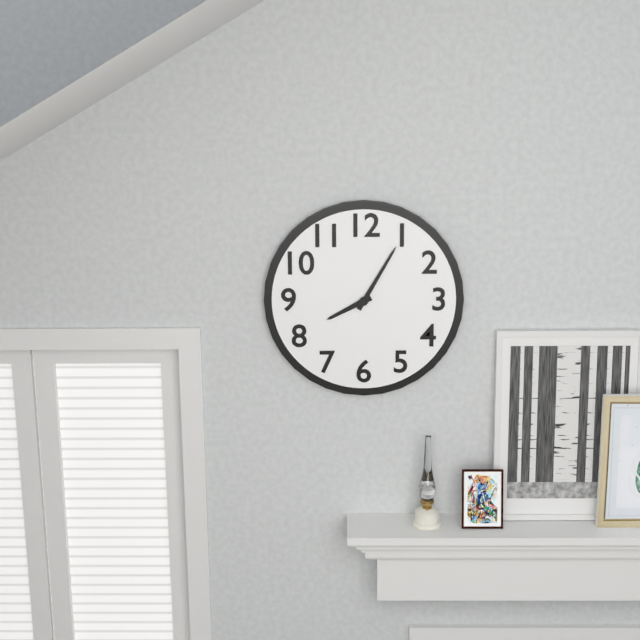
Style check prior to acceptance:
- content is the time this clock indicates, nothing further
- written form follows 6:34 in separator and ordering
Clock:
8:05
